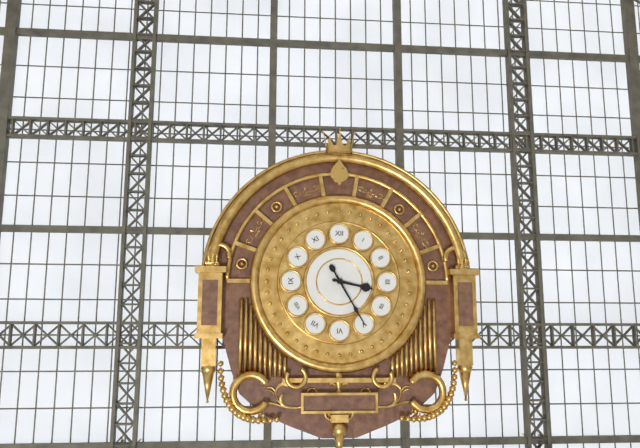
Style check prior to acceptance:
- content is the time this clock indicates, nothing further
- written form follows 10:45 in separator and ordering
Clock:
3:25
